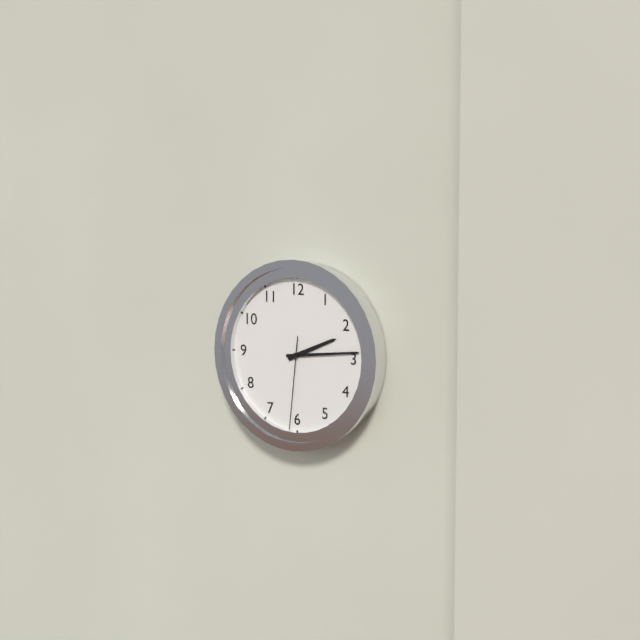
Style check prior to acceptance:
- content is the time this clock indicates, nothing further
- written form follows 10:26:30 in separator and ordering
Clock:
2:14:31
